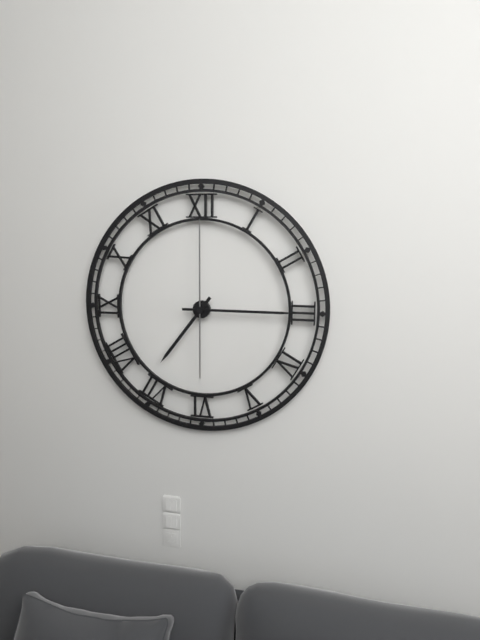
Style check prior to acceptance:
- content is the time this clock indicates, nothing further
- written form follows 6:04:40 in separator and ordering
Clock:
7:15:00
